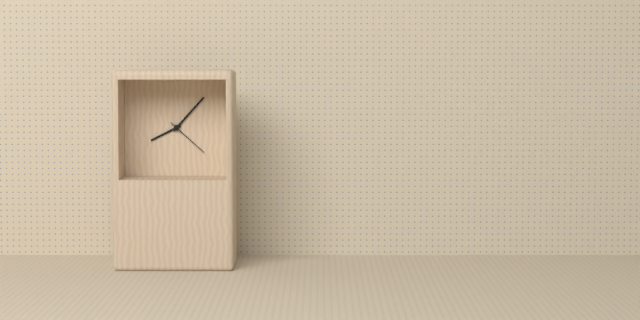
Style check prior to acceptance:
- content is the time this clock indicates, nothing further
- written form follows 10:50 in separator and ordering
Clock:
8:07
